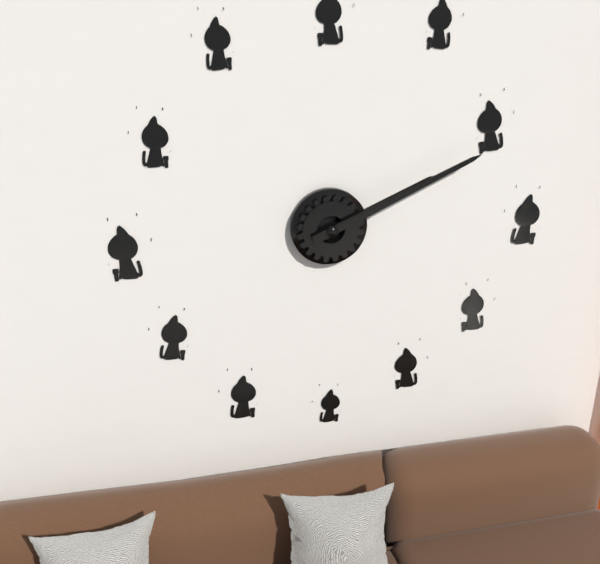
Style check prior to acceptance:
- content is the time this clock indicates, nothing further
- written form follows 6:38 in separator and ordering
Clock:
2:11
